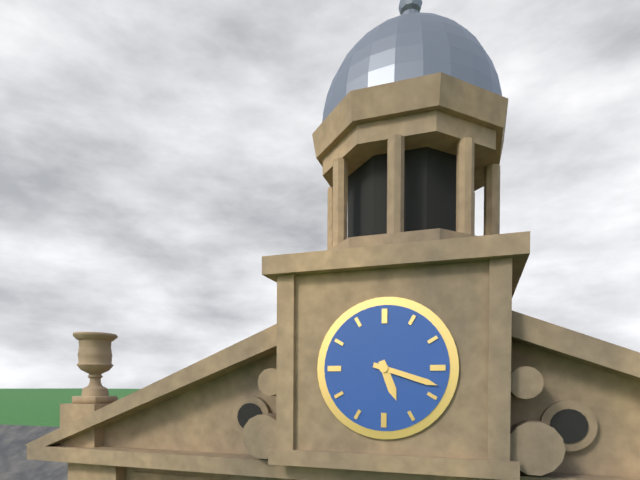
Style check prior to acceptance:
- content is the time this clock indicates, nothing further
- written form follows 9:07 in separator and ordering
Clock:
5:18
